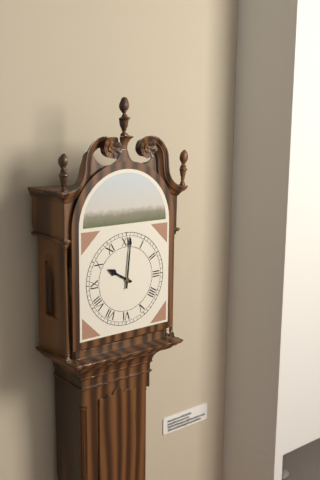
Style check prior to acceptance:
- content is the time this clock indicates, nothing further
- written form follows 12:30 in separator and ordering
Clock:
10:01
